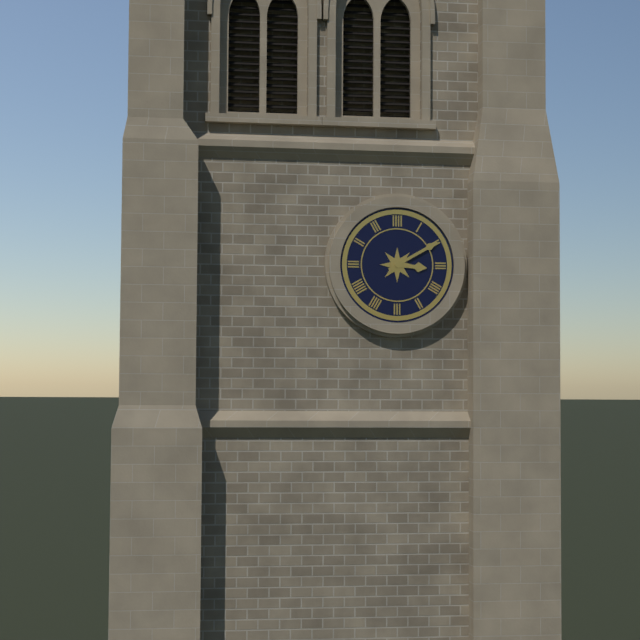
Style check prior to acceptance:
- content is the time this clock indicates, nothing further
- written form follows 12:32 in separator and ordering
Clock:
3:10
